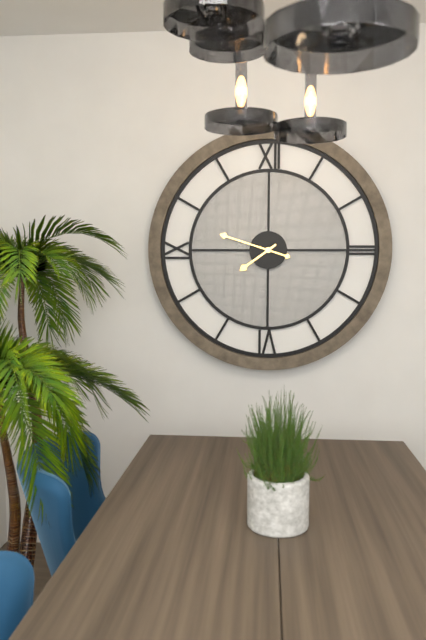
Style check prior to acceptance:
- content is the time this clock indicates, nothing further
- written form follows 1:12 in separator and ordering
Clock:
7:48
